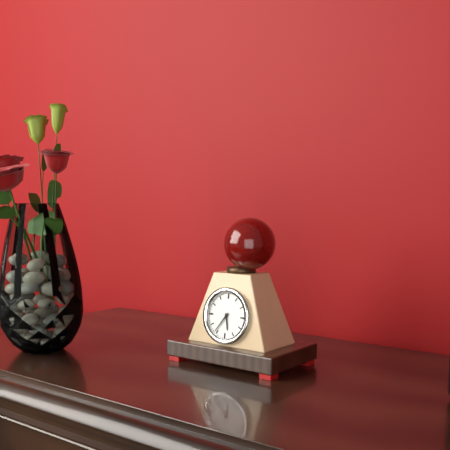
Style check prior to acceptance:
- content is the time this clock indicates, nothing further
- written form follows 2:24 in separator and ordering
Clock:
5:36
